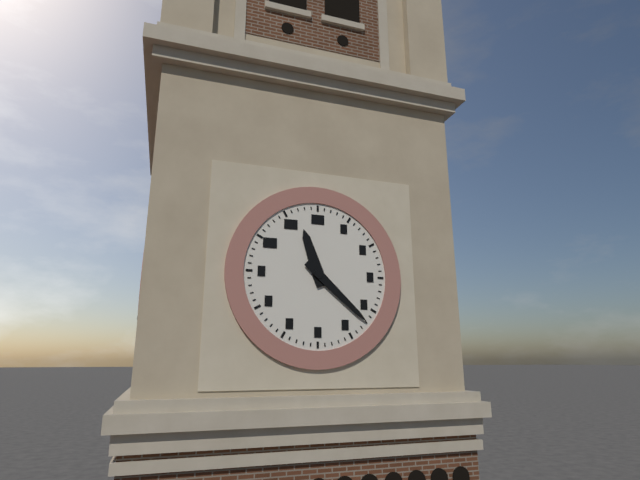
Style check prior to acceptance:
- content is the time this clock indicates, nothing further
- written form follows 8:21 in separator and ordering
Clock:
11:22
